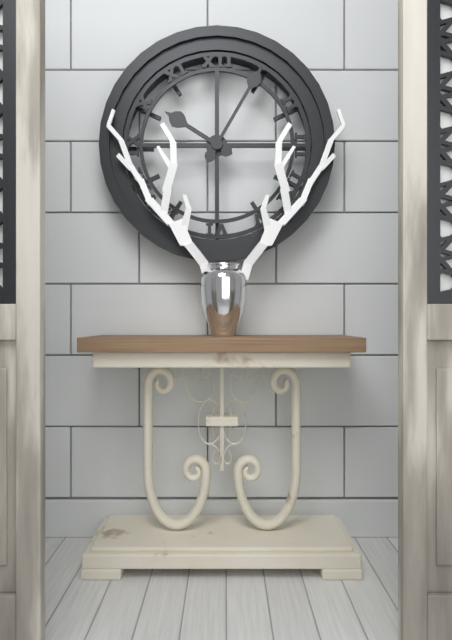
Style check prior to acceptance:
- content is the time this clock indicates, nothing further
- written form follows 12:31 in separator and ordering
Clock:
10:05
